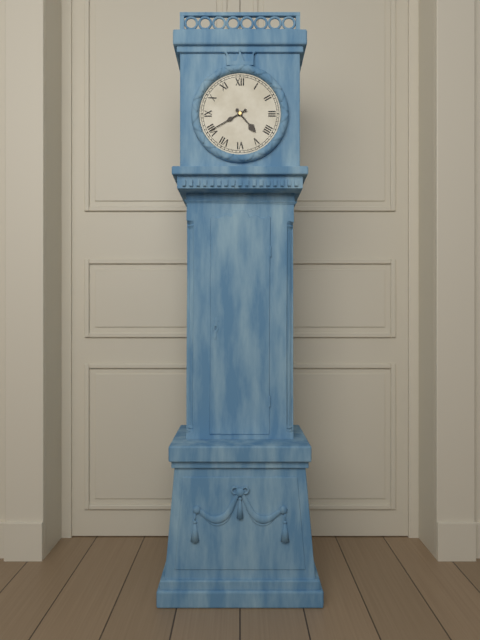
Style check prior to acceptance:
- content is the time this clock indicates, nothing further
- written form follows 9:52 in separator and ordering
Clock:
4:40
